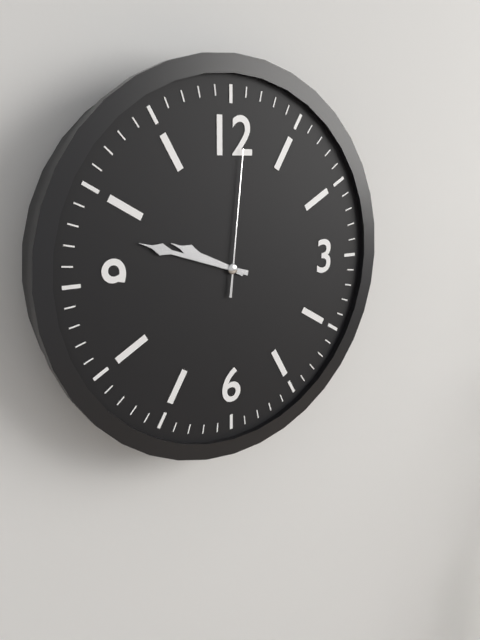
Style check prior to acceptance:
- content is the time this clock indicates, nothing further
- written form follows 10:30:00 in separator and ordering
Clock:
9:48:01
